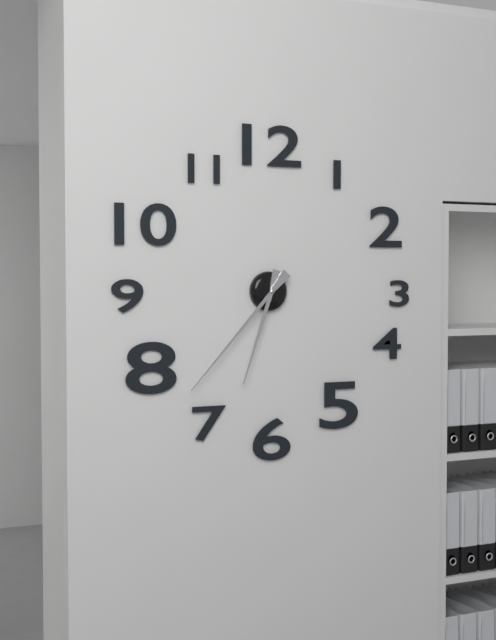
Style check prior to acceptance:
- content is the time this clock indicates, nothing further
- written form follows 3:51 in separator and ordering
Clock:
6:37
